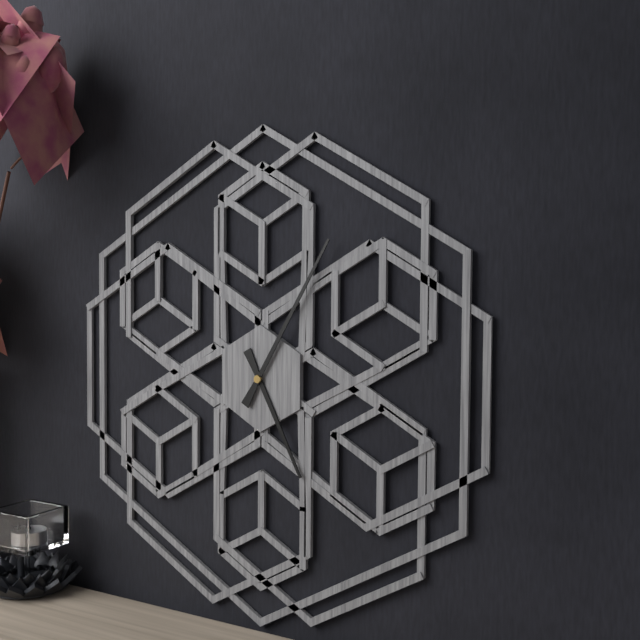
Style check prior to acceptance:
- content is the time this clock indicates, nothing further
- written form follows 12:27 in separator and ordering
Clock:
5:05
